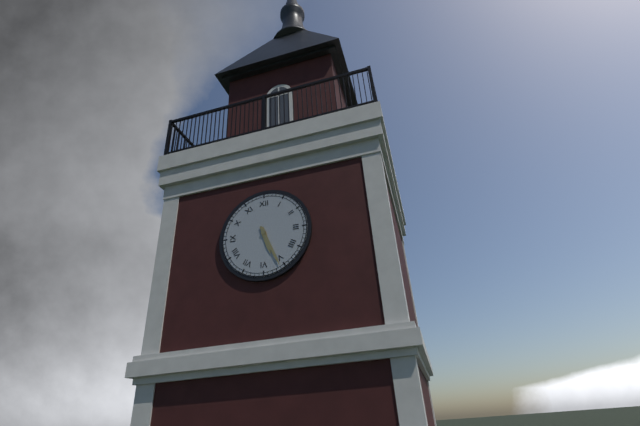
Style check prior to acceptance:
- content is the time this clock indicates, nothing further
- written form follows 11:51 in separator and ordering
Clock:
5:26
